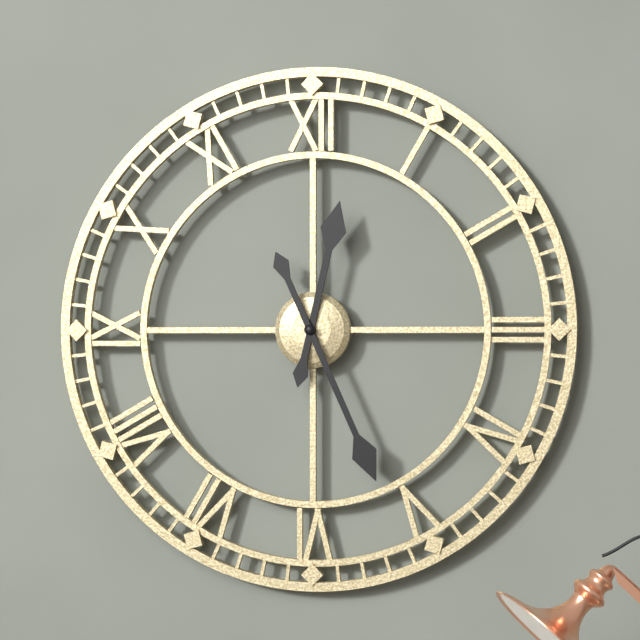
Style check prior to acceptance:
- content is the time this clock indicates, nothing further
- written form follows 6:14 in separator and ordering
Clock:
12:26
